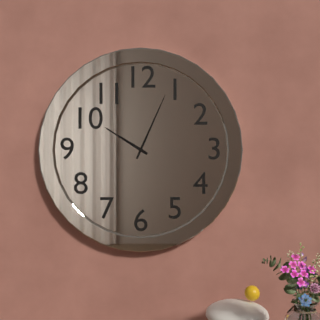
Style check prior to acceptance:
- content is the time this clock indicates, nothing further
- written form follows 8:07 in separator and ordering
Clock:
10:04
